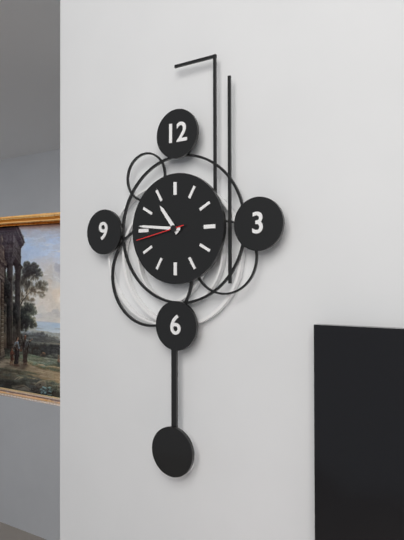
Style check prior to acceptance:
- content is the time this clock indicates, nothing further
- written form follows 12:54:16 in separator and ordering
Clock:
10:46:43
